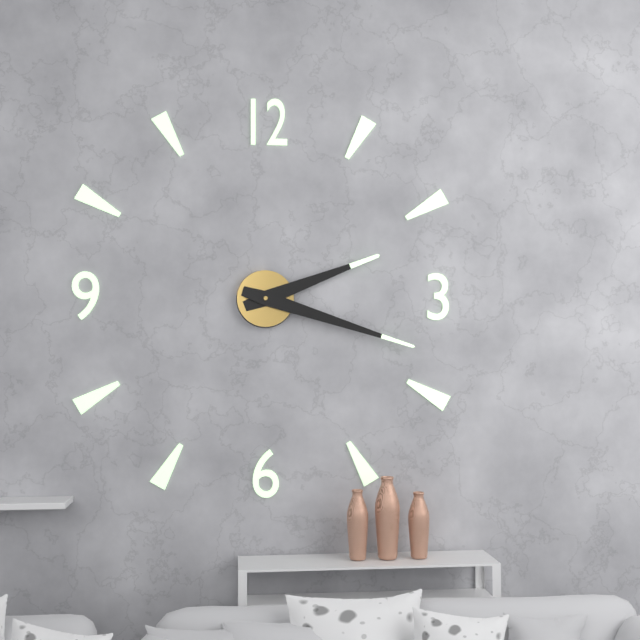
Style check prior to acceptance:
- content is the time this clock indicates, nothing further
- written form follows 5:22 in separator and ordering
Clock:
2:18
